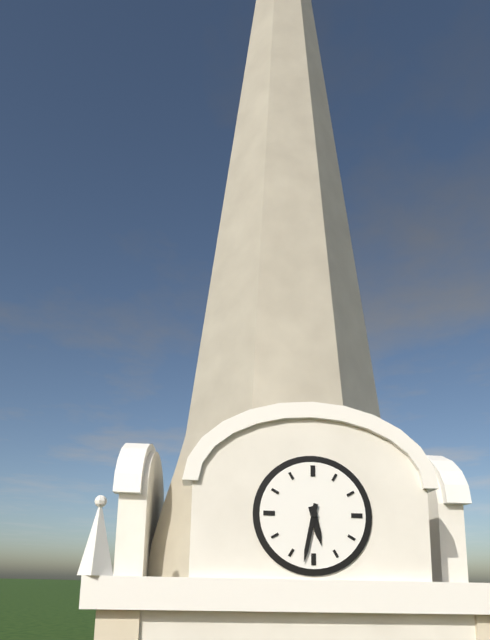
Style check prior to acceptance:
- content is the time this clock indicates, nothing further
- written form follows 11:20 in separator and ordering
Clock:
5:32
